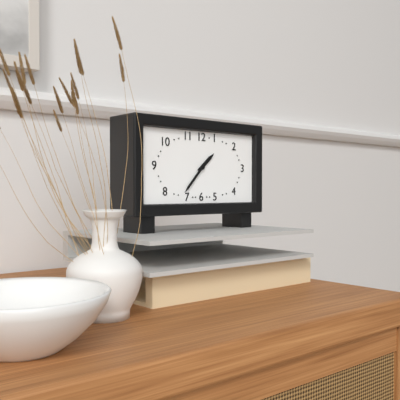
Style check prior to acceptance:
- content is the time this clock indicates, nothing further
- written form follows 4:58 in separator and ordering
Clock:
1:37
